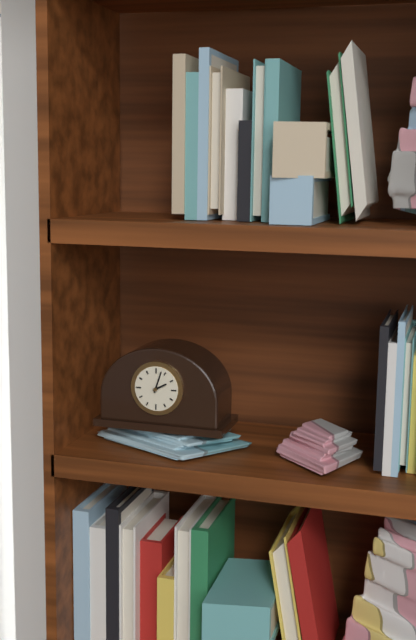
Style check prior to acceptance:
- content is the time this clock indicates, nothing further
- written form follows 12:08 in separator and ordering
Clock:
2:03
